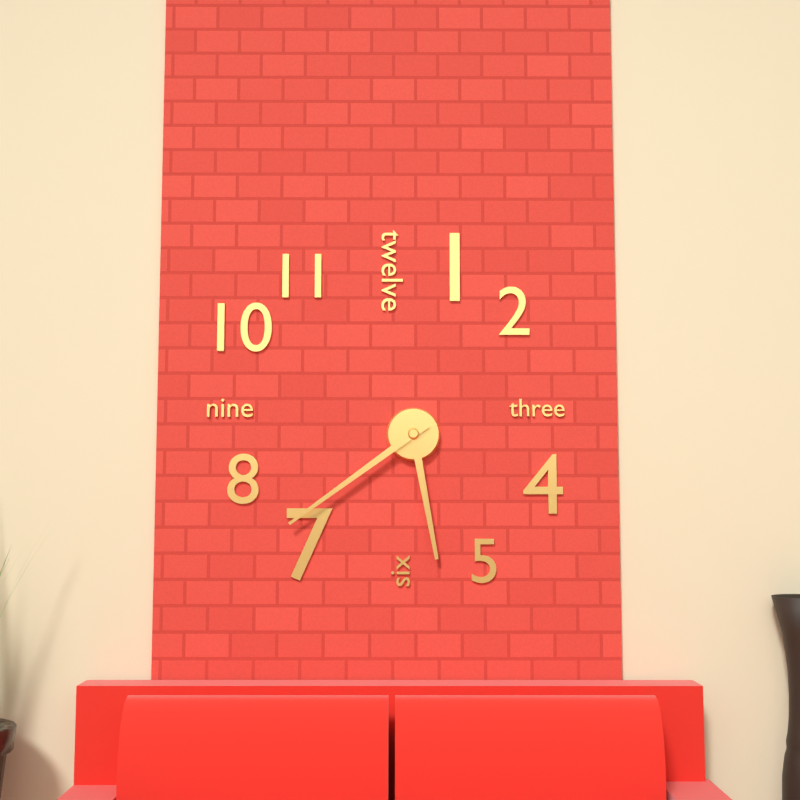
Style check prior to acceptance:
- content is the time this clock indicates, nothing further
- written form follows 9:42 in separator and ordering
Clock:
5:39
